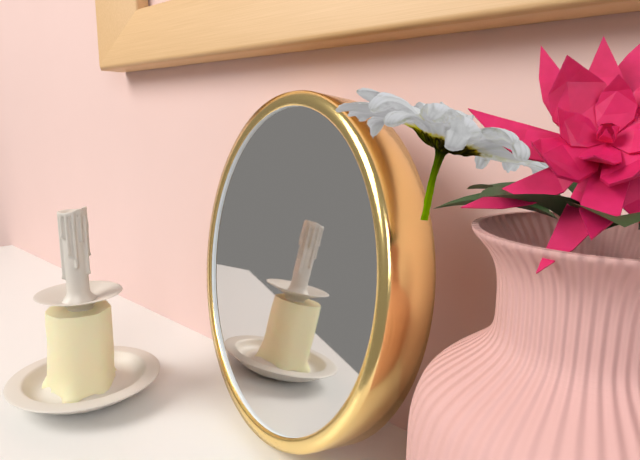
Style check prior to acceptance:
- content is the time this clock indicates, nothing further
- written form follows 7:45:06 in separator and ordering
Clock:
2:17:05
